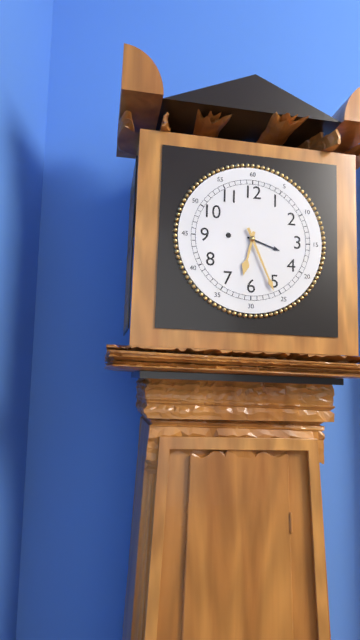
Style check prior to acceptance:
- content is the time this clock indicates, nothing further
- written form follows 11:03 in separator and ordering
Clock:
6:26
